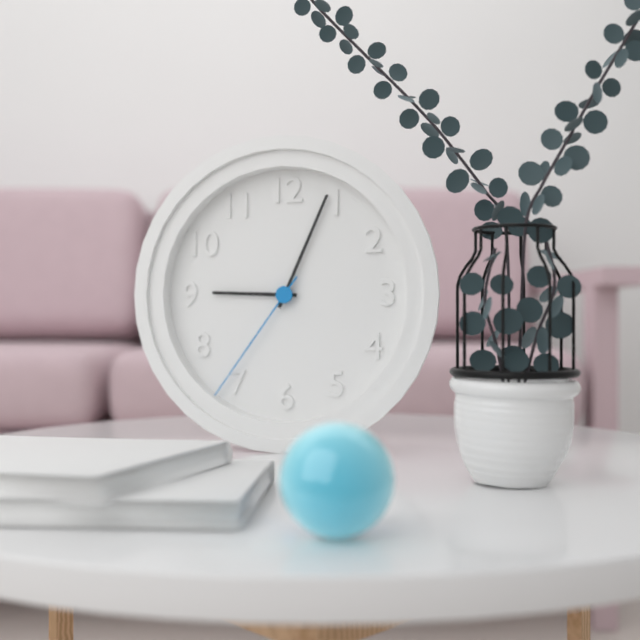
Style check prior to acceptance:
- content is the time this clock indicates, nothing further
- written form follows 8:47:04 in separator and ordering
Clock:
9:04:36
